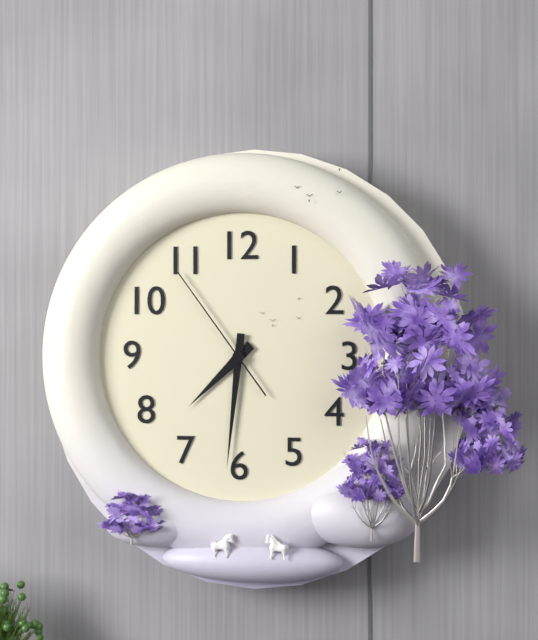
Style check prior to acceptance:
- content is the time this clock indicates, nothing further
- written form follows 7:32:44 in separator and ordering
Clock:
7:31:54
